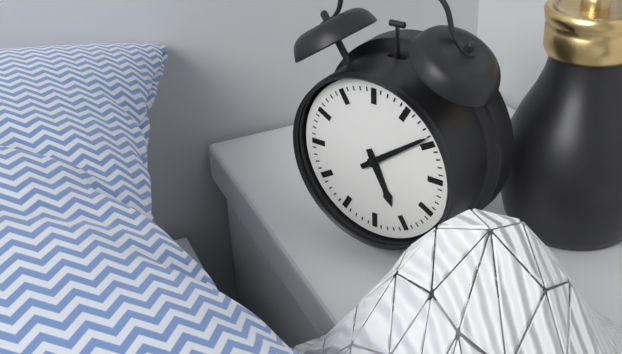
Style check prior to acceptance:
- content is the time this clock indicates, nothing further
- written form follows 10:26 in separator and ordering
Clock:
5:09
